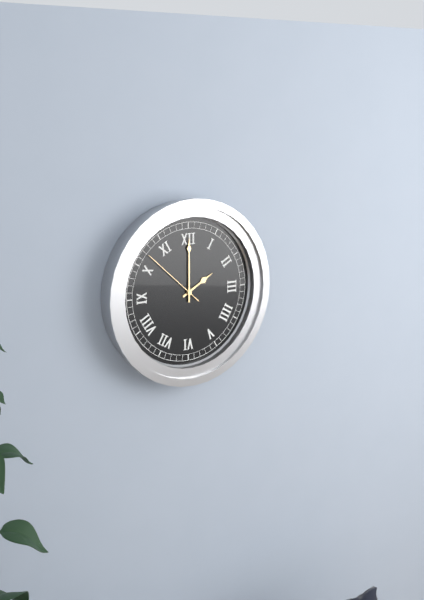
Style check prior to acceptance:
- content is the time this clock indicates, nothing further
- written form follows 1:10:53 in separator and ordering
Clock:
2:00:52
